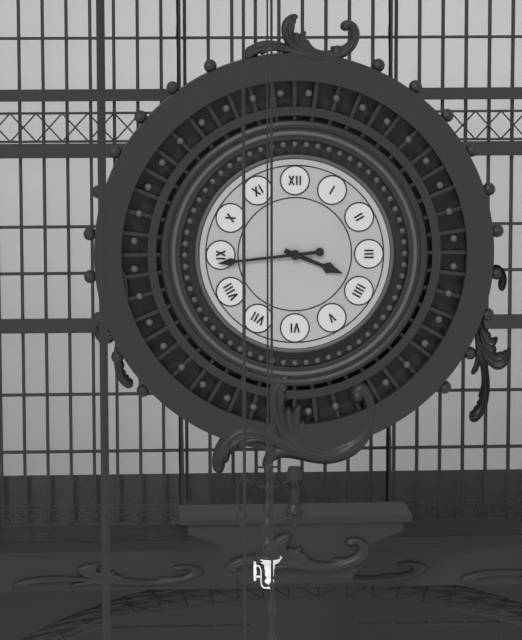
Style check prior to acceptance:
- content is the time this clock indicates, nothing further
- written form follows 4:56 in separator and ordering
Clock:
3:44
